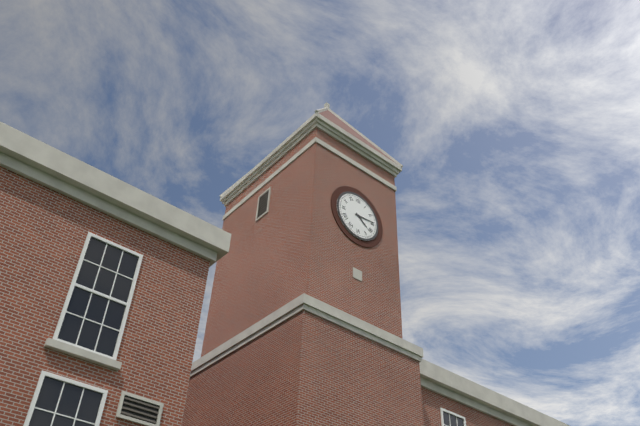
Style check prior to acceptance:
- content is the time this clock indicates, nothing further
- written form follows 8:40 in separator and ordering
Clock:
4:14
